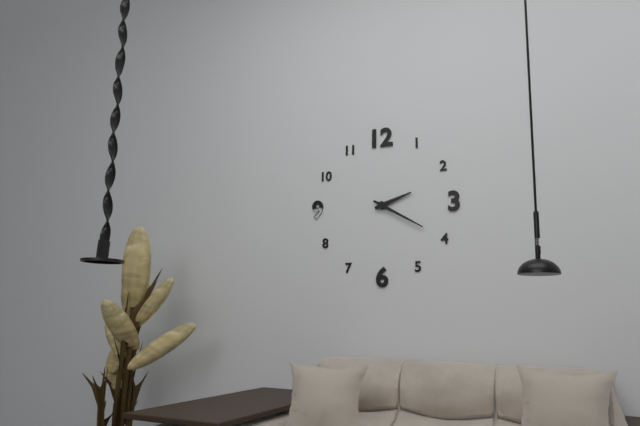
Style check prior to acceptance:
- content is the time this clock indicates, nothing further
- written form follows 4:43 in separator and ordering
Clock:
2:20
